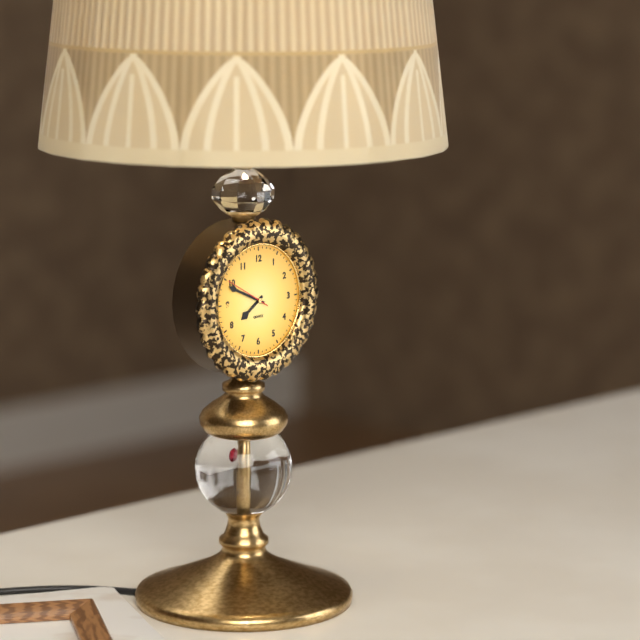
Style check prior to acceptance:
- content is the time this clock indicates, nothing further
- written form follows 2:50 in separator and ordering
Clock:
7:49
